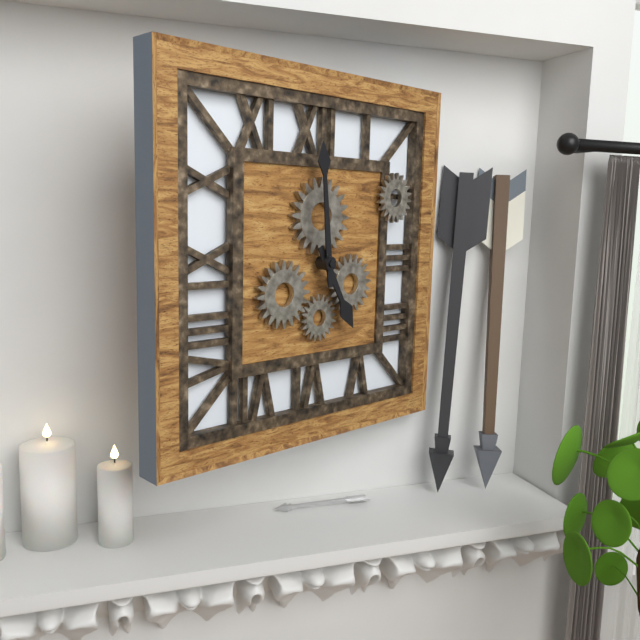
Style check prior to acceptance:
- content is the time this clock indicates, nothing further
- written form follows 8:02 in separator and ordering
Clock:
4:59
